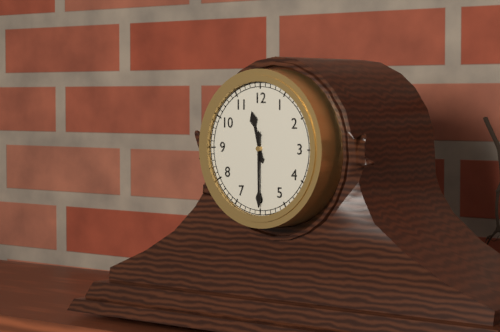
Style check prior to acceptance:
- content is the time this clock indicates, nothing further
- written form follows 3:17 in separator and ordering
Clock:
11:30
